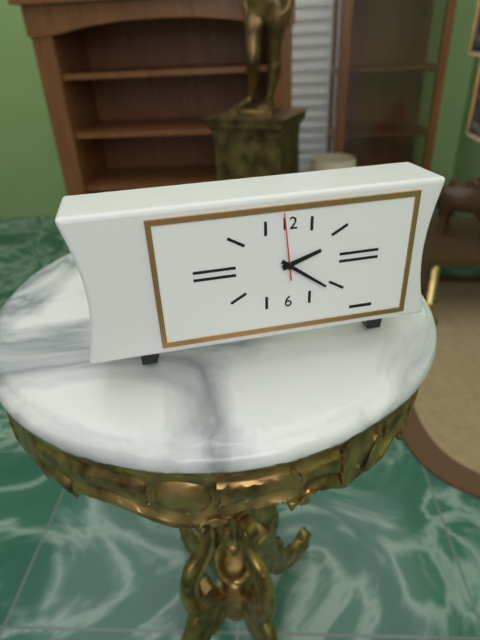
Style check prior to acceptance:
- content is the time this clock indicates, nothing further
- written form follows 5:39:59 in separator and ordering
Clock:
2:21:59
